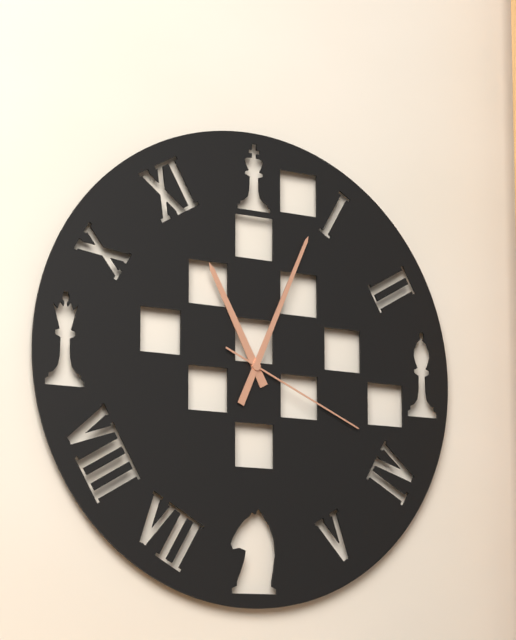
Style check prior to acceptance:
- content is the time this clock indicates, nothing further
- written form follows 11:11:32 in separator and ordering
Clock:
11:04:19
